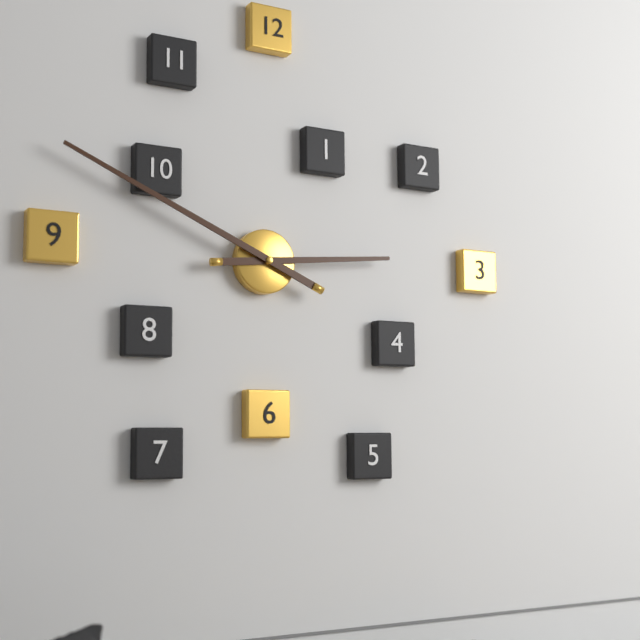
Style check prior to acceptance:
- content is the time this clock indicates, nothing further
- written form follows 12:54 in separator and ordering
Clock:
2:49
